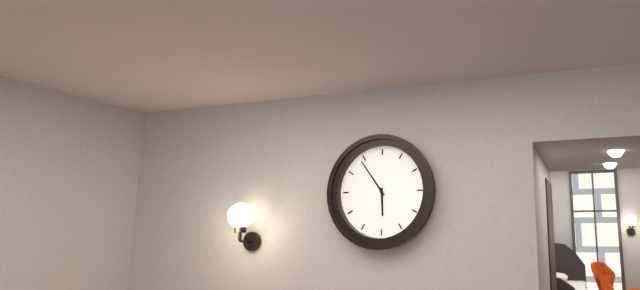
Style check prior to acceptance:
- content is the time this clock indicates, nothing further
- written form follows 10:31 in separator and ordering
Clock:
5:54
